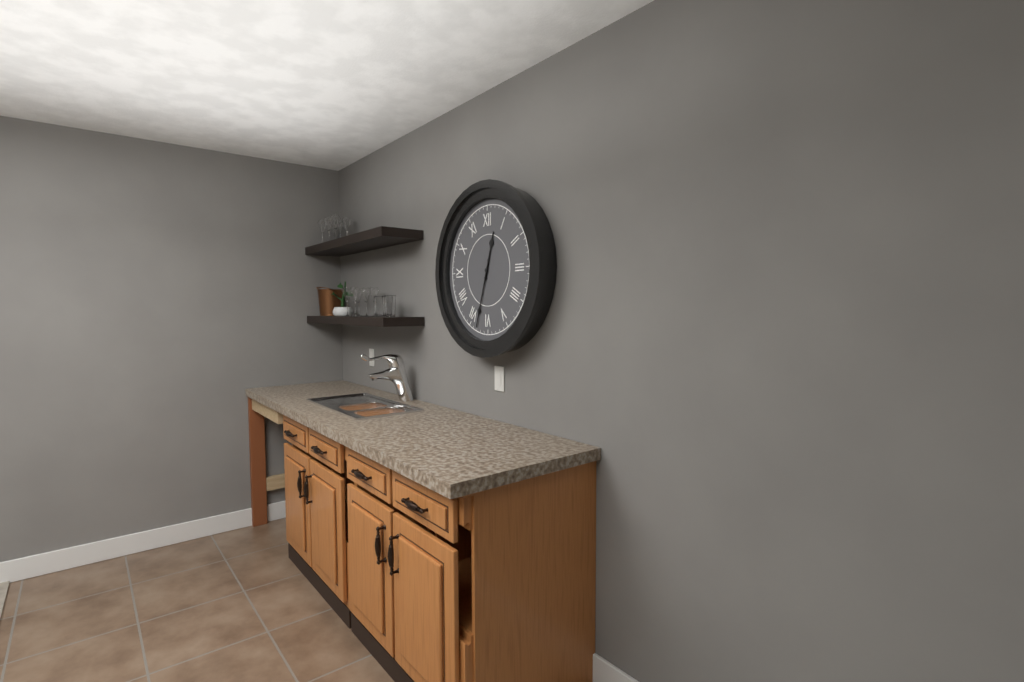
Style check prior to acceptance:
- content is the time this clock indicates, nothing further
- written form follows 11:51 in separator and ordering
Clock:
12:33
